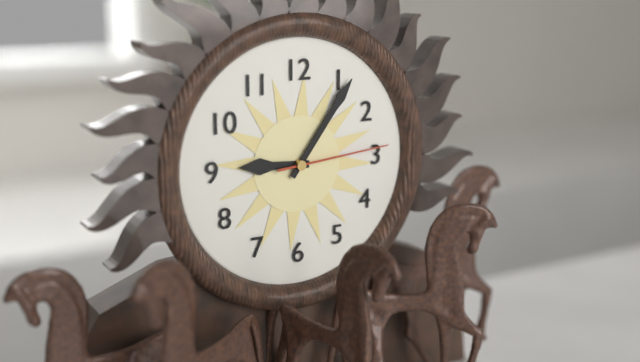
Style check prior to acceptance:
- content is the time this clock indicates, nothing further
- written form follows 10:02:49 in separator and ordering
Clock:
9:06:14
